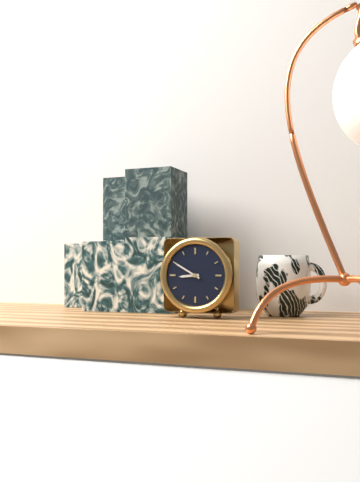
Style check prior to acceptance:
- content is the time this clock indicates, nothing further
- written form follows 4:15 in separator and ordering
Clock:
8:50
